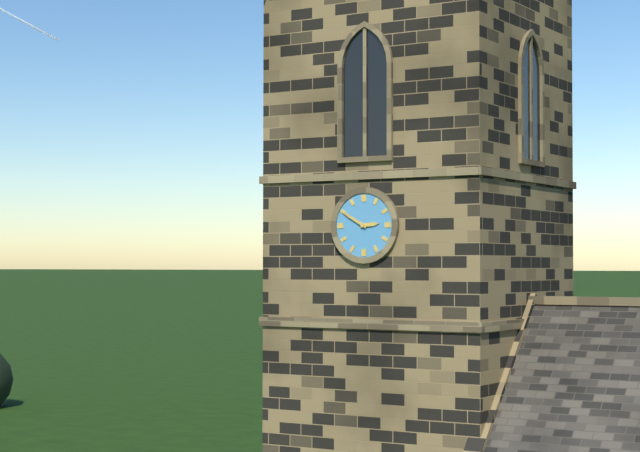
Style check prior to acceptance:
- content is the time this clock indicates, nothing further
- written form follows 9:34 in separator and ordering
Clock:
2:50
